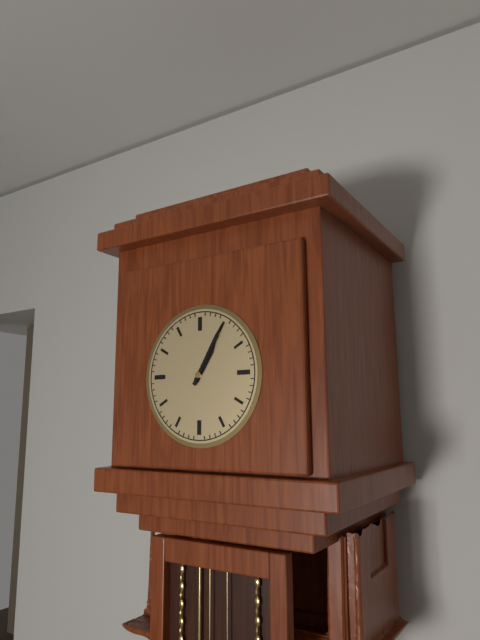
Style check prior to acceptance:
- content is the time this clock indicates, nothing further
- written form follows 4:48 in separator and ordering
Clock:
1:05
